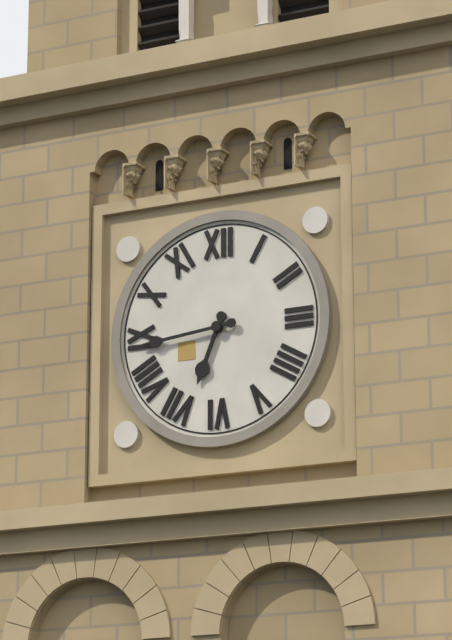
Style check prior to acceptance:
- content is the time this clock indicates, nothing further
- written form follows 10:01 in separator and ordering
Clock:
6:44
